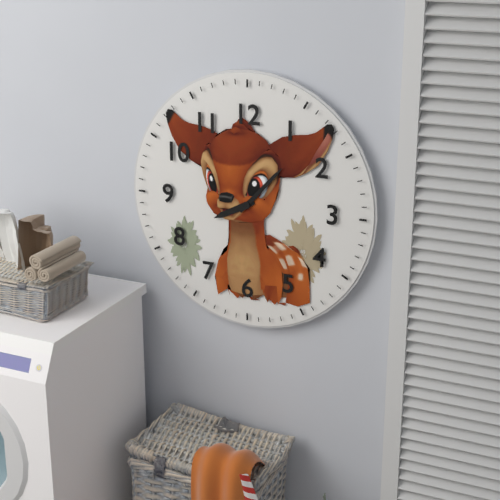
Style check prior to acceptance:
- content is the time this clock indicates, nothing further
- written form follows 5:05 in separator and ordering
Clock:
8:07
